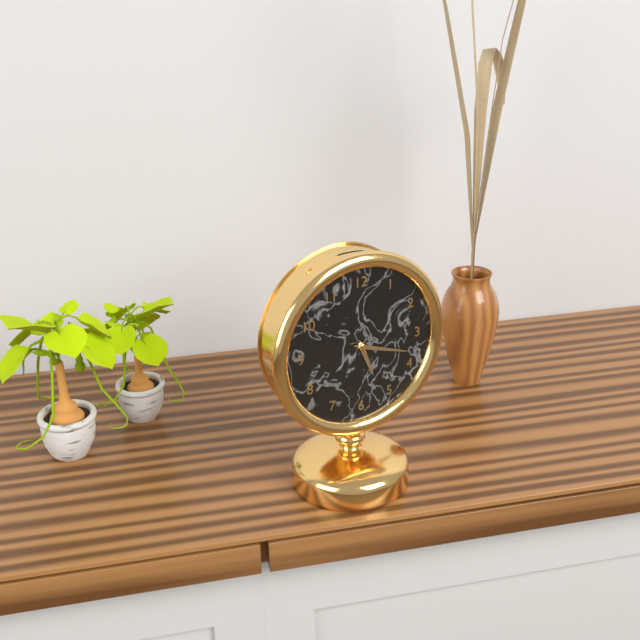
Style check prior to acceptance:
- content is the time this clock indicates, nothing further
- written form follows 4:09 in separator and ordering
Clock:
5:18
